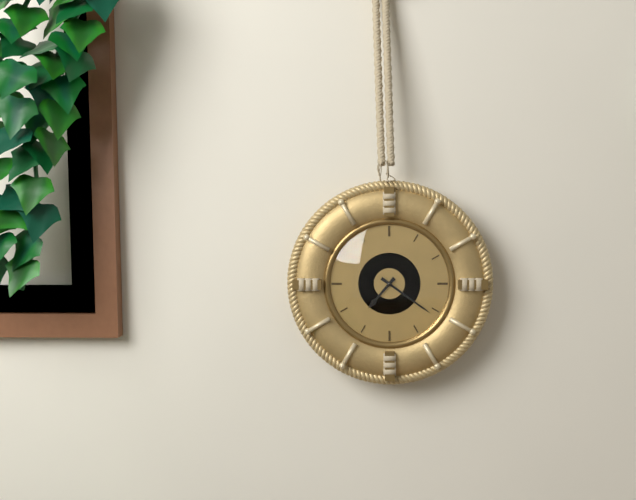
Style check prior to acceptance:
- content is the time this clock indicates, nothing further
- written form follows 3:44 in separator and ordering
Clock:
7:21
